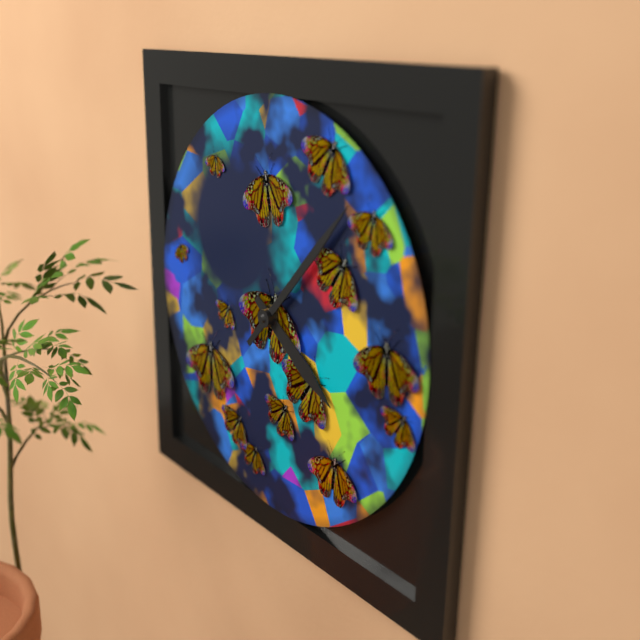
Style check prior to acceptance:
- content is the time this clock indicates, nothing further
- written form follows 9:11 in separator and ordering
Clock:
4:07
